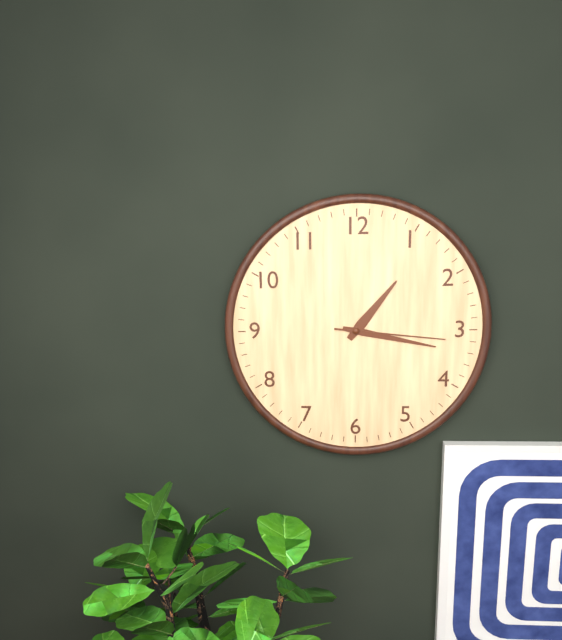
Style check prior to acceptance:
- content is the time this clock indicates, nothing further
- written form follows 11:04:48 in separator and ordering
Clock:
1:17:16
